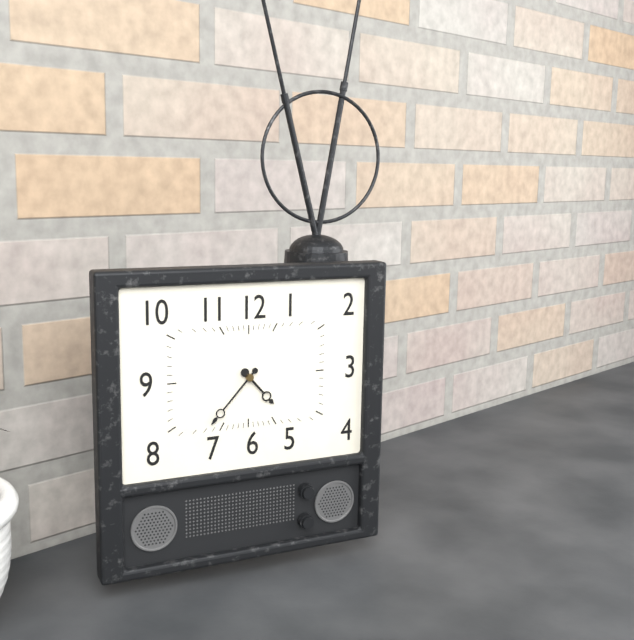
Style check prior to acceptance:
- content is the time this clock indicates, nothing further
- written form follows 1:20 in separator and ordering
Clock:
4:37
